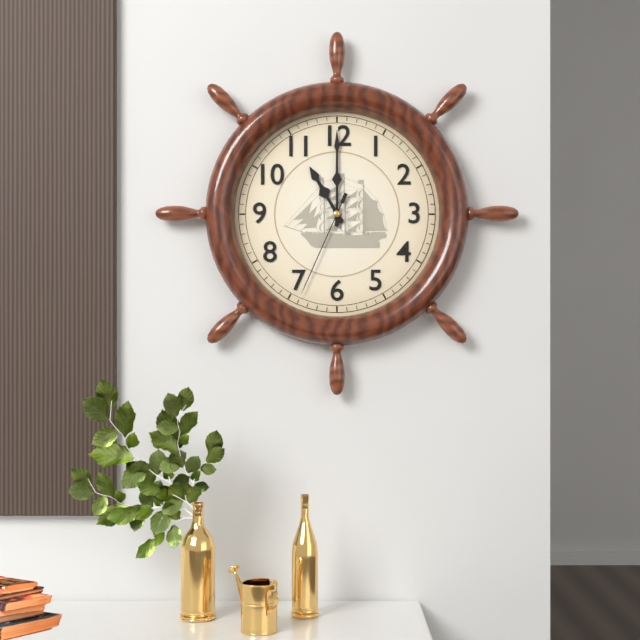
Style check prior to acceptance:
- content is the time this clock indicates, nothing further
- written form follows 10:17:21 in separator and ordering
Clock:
11:00:34
